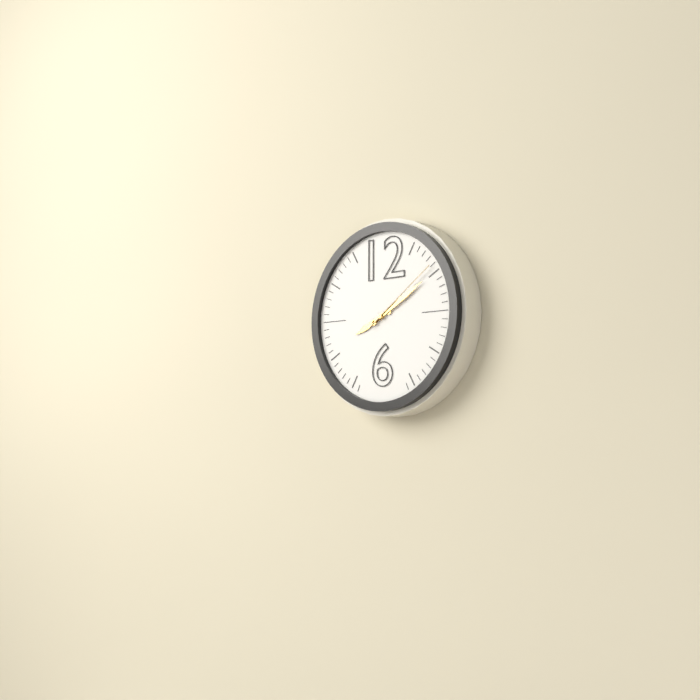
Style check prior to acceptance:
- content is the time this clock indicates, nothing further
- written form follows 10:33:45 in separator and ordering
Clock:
8:10:09
